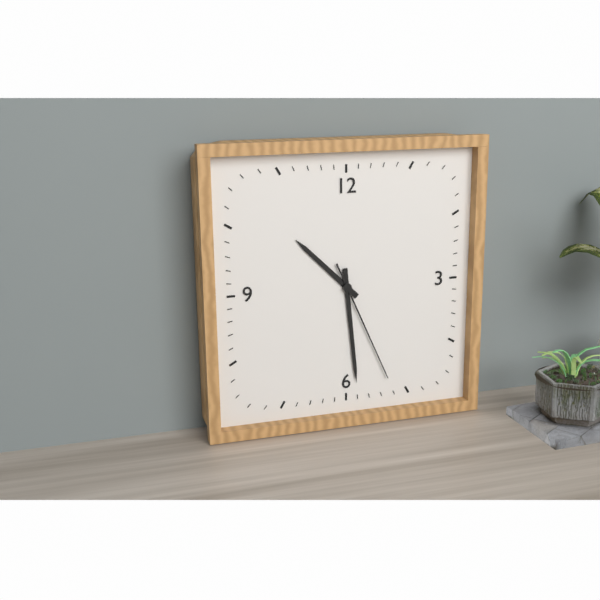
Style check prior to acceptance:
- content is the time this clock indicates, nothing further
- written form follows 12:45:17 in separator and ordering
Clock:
10:29:26
